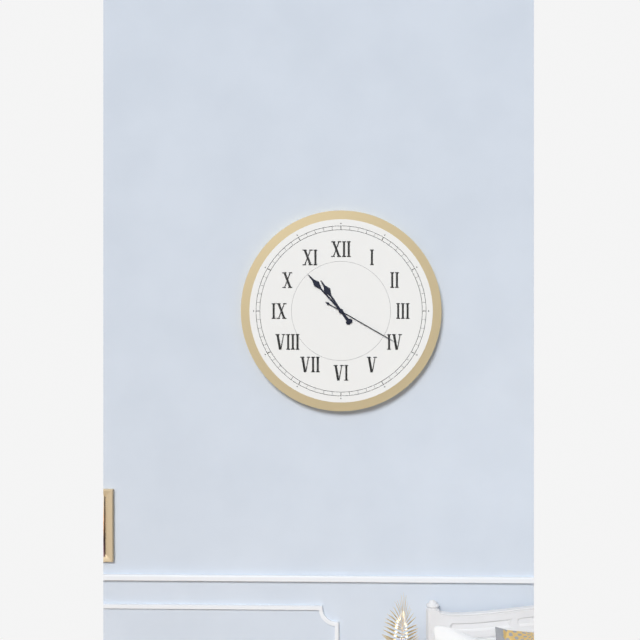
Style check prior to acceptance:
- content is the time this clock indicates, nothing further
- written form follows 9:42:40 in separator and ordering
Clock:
10:53:20
